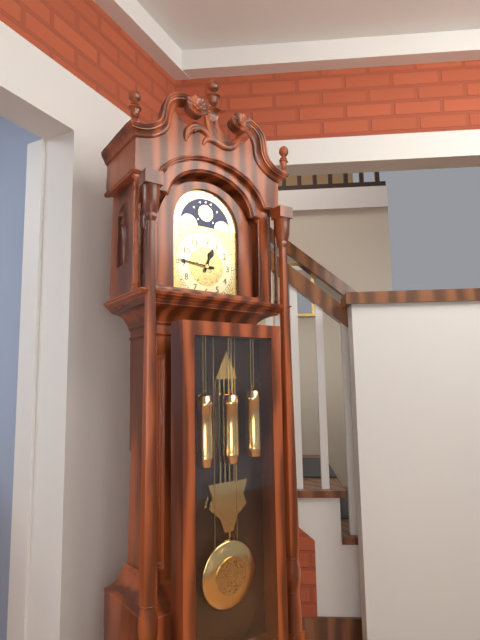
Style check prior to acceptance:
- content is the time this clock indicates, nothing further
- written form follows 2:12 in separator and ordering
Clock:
12:46
